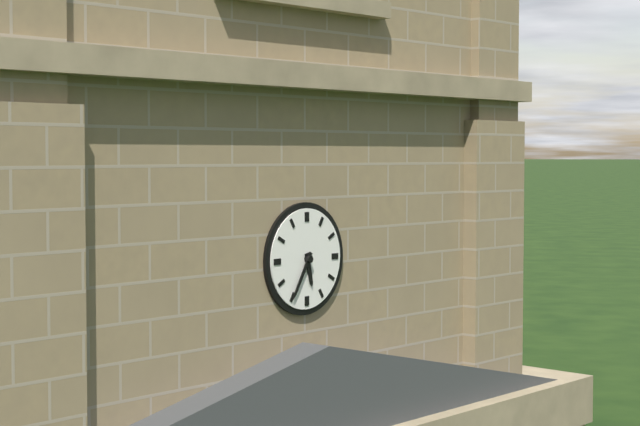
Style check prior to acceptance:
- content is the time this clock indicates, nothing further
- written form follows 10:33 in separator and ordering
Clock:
5:35
